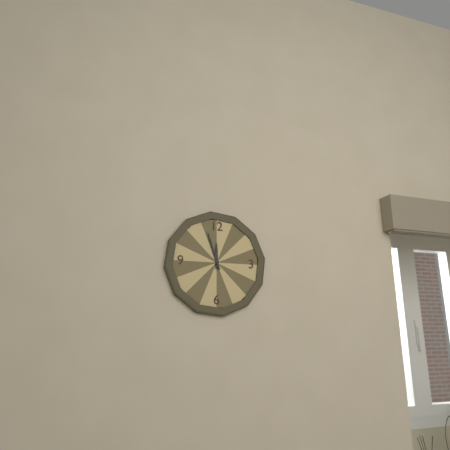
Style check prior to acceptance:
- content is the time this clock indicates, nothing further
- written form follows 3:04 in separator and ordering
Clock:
11:57
